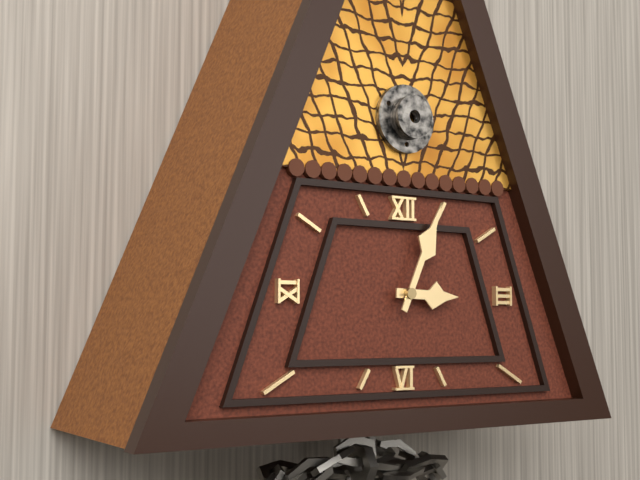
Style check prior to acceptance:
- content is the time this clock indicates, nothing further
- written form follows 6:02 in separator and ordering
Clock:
3:04
